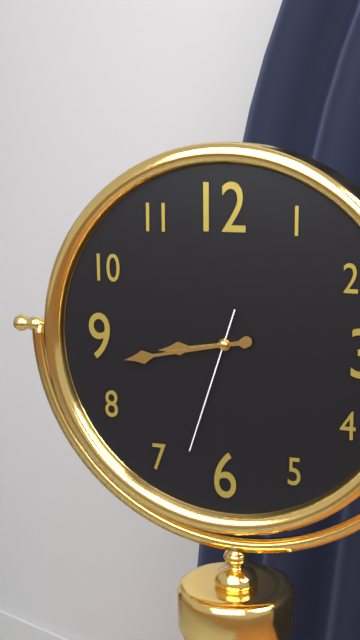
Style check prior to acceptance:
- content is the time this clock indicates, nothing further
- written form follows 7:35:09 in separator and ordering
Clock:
8:43:33
